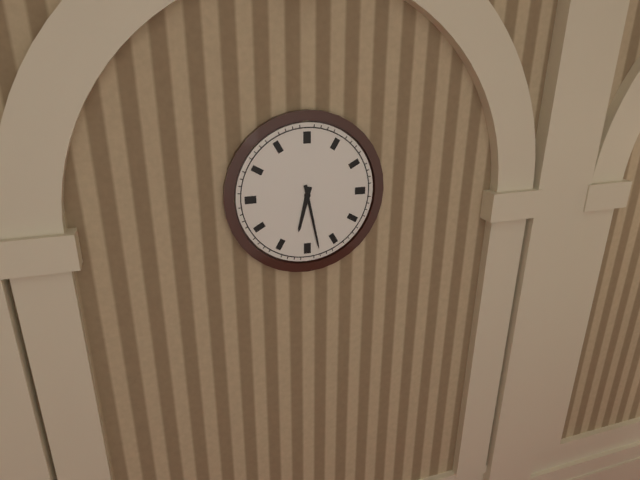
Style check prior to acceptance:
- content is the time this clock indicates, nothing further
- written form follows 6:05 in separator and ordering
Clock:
6:28
